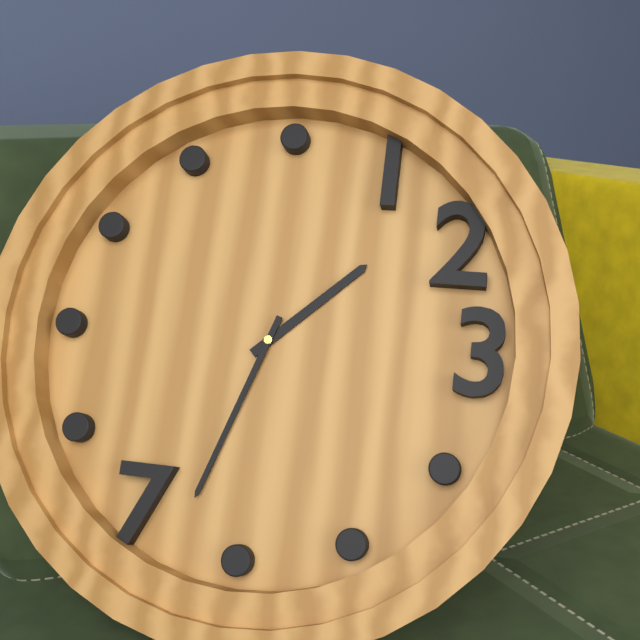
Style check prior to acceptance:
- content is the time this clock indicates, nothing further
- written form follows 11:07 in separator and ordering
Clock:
1:33
